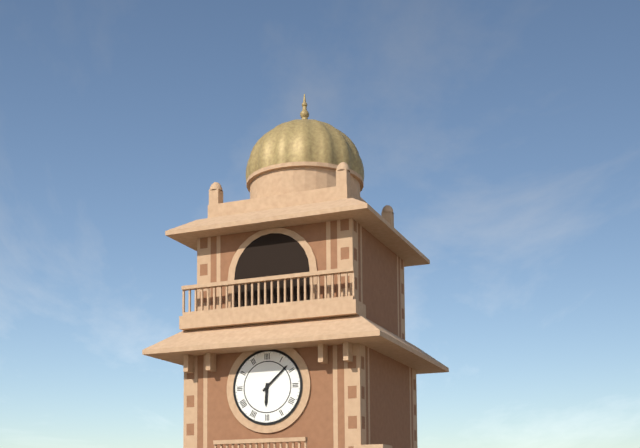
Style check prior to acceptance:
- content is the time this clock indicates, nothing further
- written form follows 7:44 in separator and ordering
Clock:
6:08
